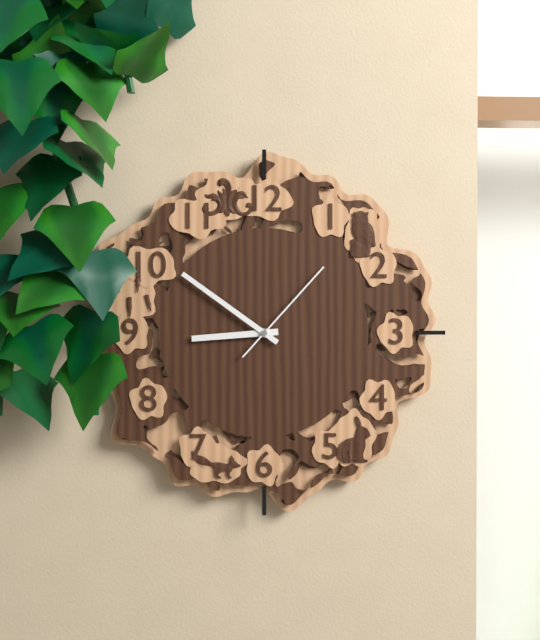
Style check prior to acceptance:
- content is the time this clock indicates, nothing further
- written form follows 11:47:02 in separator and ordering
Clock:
8:51:07
